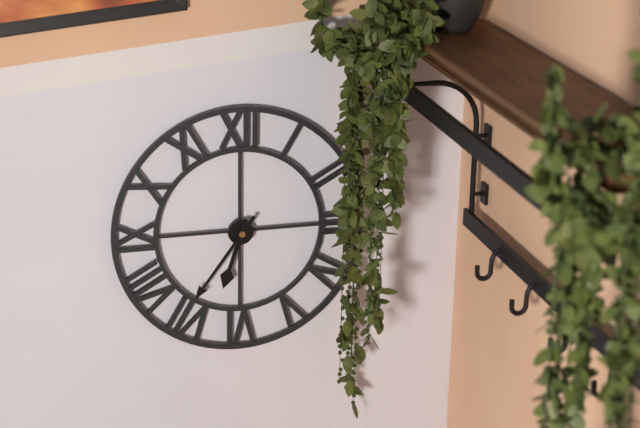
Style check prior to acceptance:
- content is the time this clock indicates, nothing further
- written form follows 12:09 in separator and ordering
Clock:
6:36
